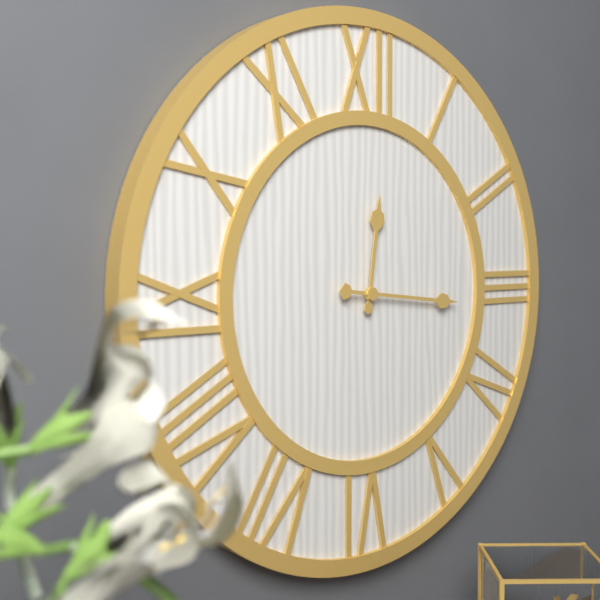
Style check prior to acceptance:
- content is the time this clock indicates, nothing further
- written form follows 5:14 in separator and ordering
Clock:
12:16
